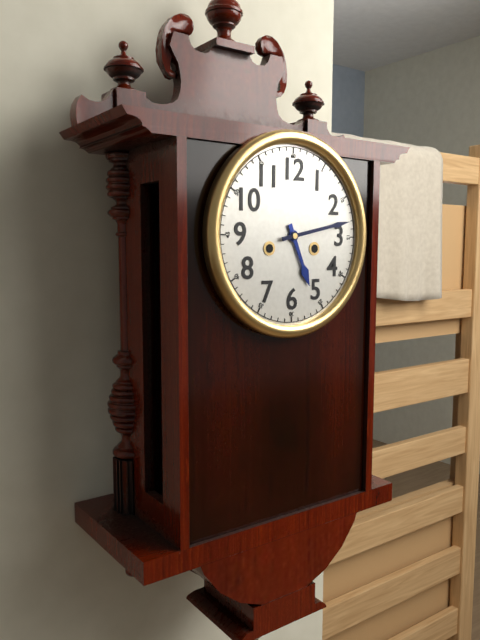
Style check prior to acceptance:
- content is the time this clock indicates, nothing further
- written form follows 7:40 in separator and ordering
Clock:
5:13
